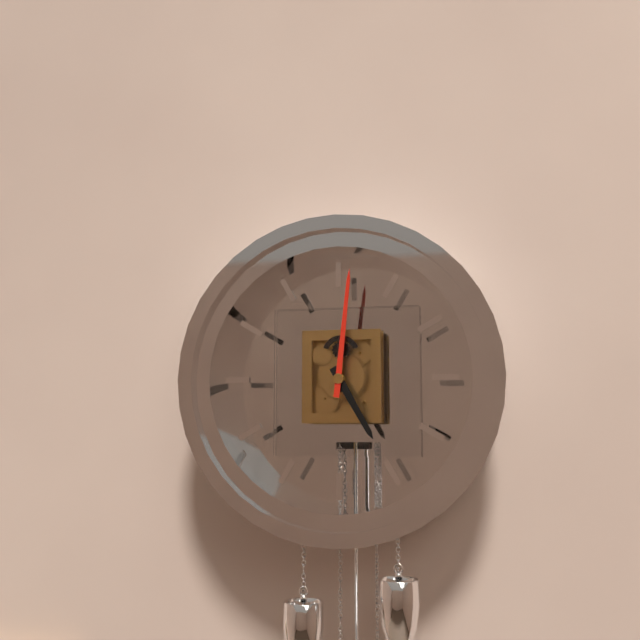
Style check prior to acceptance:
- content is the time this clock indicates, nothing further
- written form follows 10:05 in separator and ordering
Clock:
5:01
